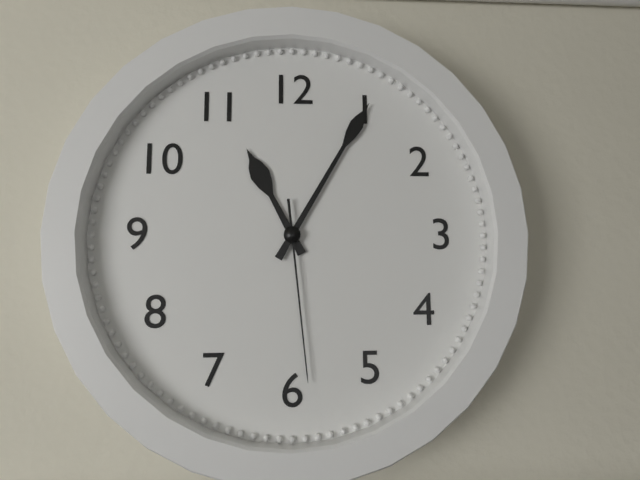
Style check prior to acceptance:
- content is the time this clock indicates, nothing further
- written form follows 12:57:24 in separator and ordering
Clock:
11:05:29
